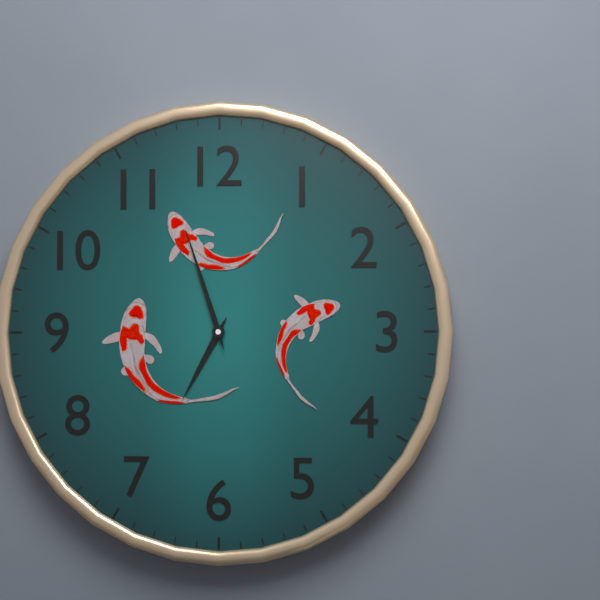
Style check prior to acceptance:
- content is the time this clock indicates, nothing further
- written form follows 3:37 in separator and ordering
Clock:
6:57
